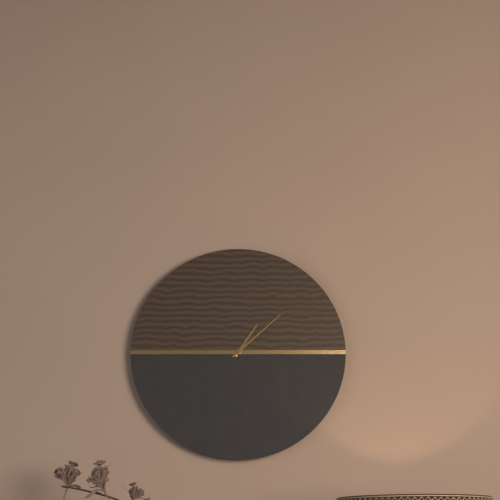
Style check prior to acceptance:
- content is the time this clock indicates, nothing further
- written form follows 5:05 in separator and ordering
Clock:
1:08
